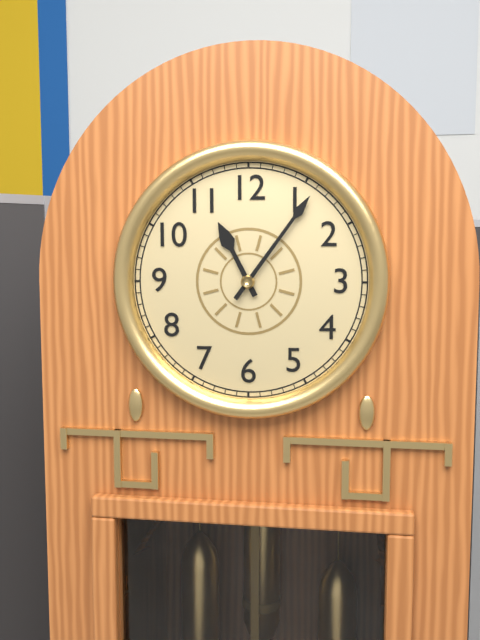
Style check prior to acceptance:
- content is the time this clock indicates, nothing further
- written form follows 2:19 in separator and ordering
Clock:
11:06
